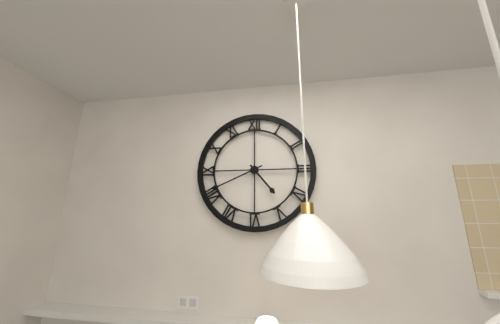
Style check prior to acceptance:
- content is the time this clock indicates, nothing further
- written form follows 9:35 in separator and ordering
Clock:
4:41
